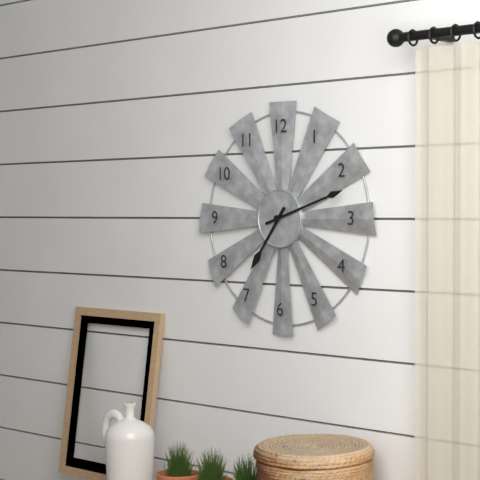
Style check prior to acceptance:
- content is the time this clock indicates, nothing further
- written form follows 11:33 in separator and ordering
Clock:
7:12
